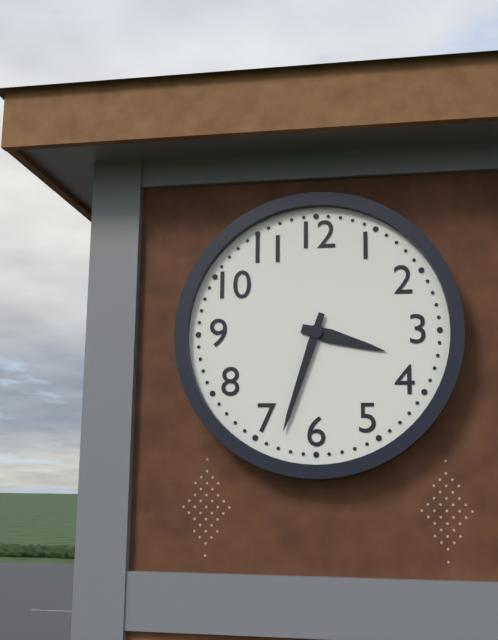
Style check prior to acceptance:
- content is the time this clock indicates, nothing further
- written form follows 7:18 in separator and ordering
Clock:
3:33
